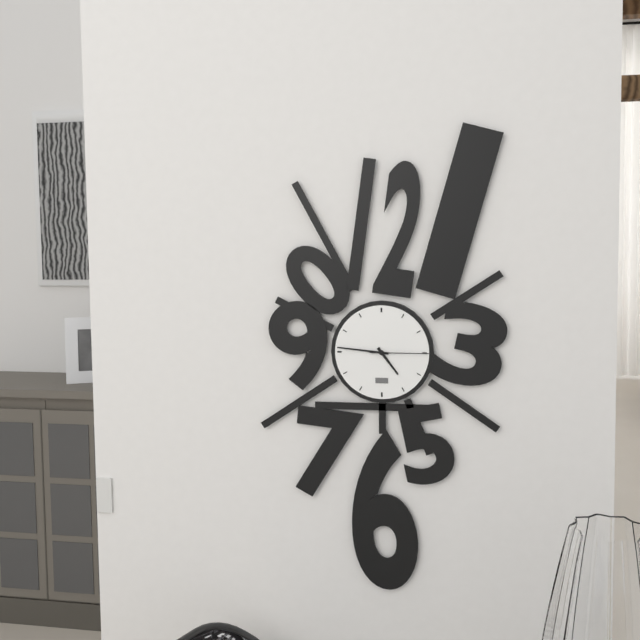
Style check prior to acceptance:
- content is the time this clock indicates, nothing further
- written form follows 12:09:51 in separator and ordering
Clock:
4:46:15
